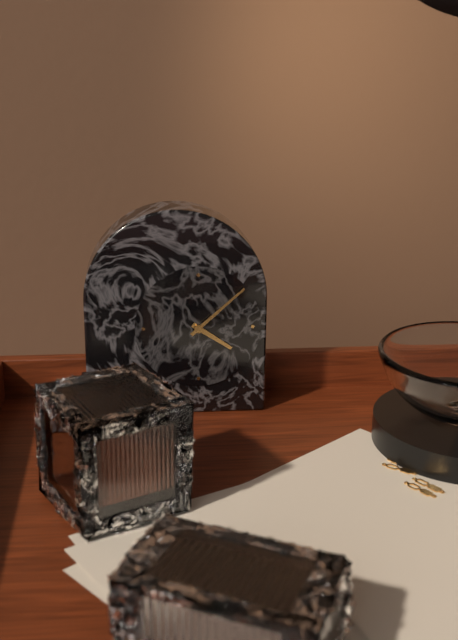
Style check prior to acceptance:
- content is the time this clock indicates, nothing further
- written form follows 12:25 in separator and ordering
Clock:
4:08
